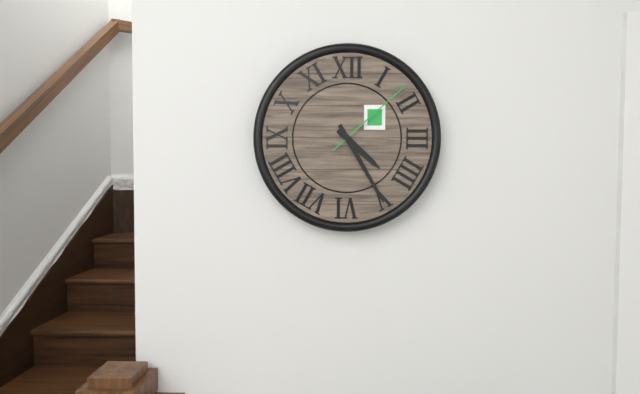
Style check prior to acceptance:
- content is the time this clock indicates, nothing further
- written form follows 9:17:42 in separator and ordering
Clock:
4:25:08
